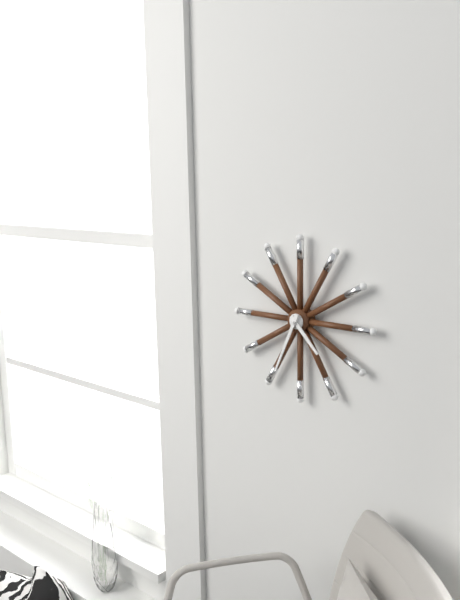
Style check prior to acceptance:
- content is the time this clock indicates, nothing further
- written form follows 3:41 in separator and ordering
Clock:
4:34
